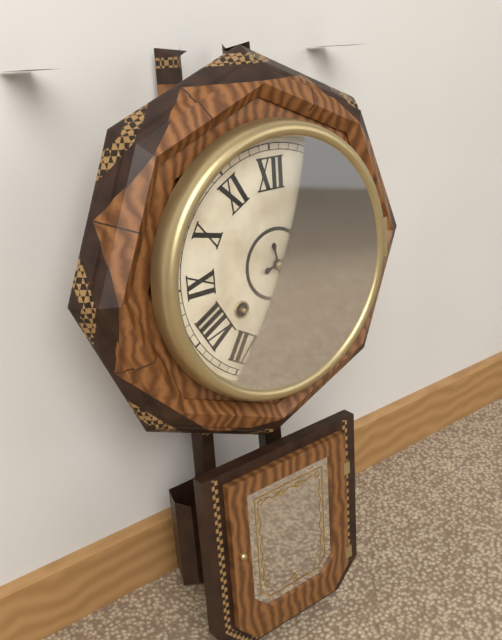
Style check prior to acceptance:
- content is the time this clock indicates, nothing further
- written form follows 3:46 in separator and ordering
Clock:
2:28
